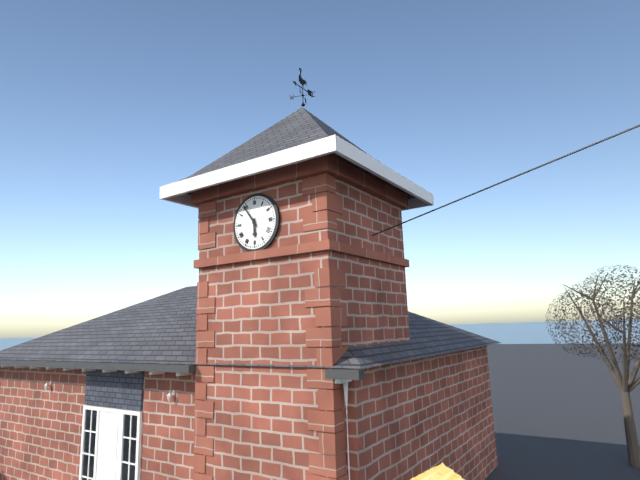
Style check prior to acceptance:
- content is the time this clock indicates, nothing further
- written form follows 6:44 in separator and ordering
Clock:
5:54
